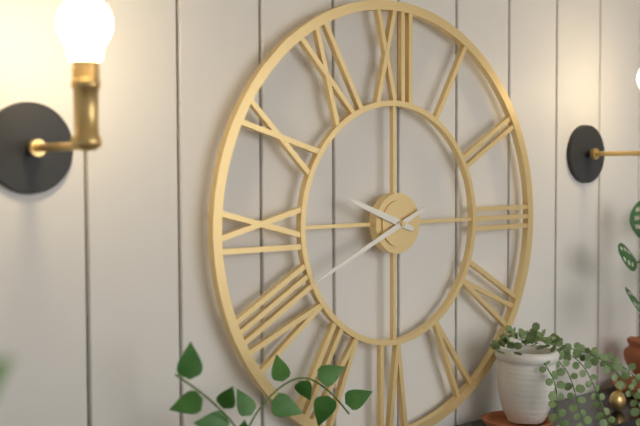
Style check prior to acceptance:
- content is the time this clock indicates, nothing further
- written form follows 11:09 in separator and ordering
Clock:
9:41
